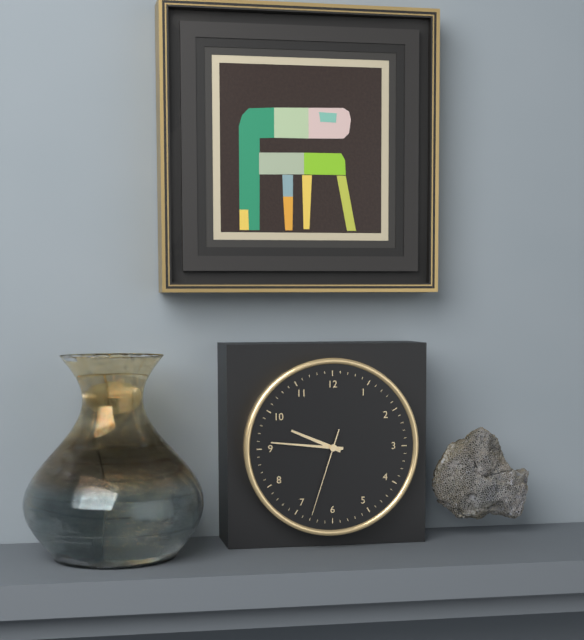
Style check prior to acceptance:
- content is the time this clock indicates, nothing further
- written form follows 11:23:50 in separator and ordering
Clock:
9:46:33
